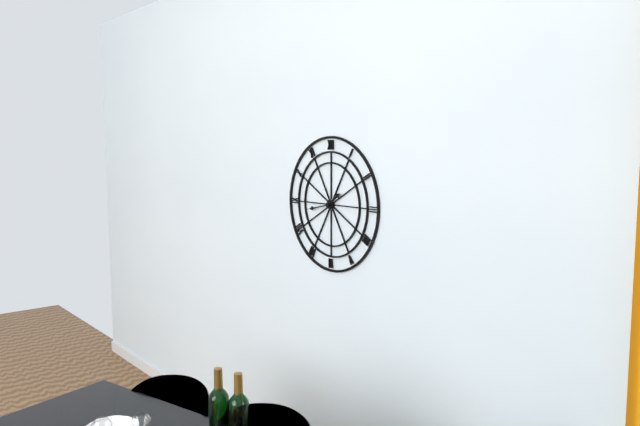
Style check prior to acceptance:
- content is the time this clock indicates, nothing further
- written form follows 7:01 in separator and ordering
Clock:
1:43
